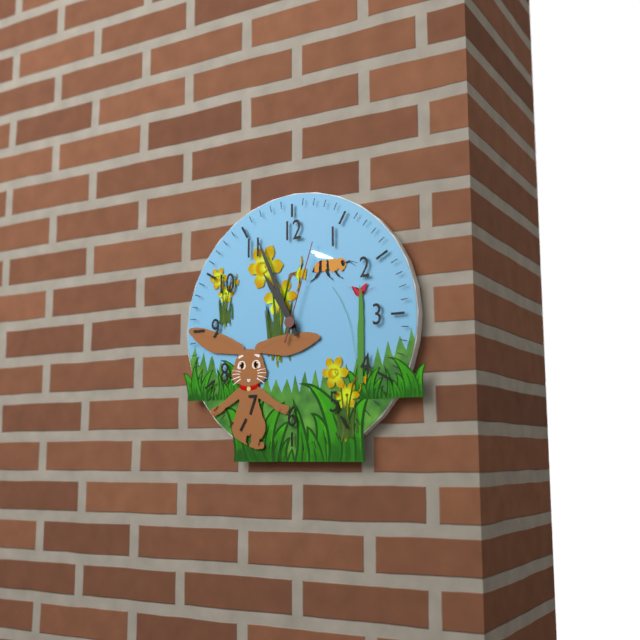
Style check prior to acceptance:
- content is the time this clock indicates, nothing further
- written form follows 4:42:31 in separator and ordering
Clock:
10:56:03
